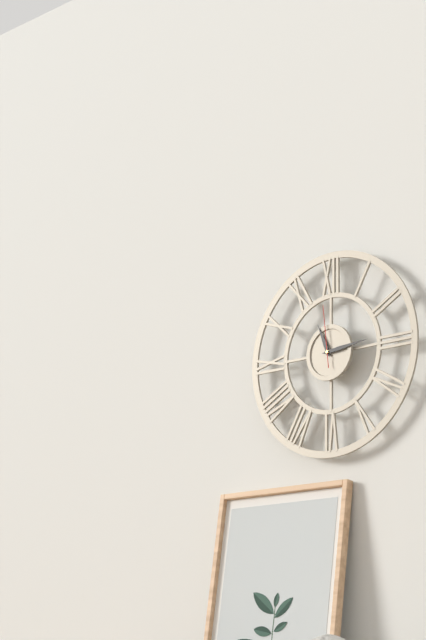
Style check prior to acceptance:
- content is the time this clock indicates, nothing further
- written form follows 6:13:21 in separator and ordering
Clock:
11:14:59
